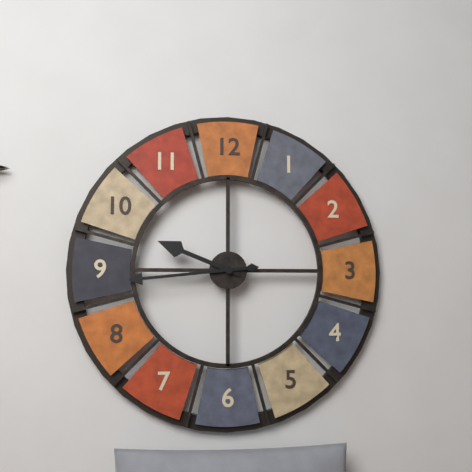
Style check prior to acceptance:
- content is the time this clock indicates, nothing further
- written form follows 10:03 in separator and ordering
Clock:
9:44
